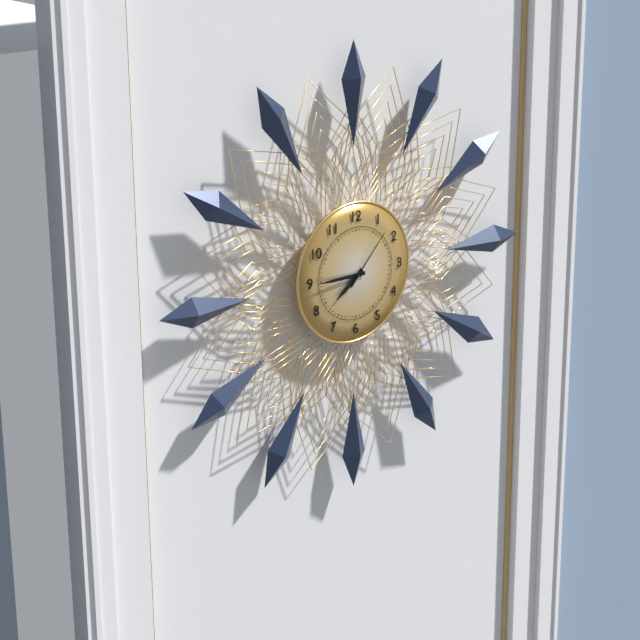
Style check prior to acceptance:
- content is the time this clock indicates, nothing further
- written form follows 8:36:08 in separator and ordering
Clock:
7:45:07
